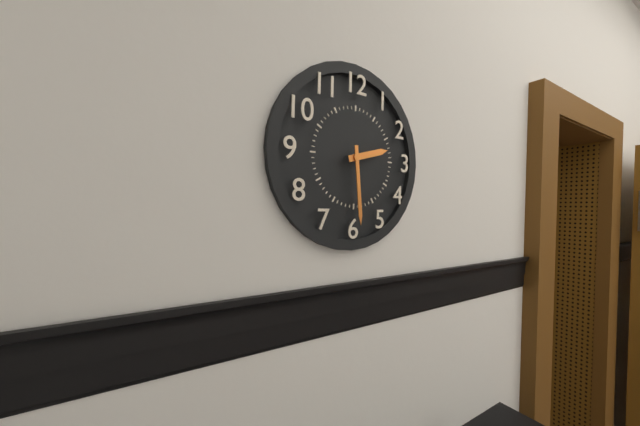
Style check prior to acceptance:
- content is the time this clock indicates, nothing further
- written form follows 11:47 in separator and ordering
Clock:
2:29
